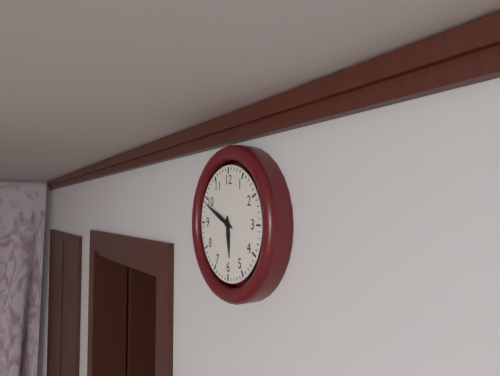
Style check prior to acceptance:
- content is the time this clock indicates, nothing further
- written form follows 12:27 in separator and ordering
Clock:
5:49
